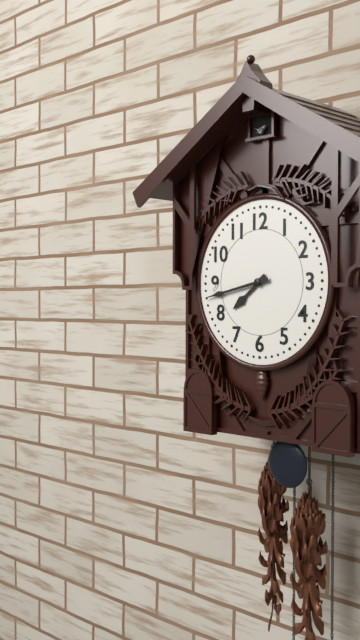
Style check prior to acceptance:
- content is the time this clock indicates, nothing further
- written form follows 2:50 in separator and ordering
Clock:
7:43
